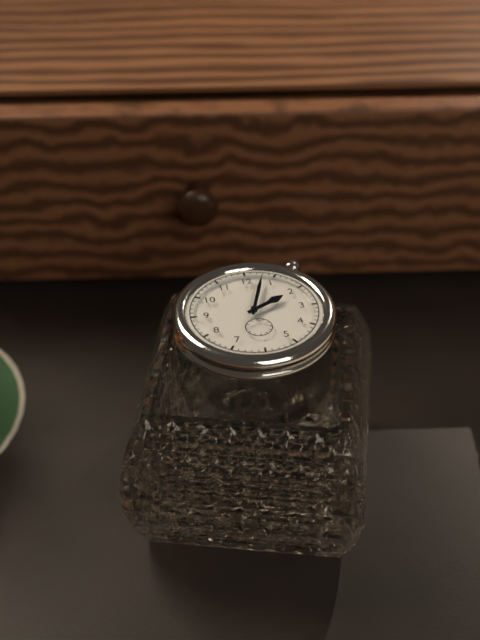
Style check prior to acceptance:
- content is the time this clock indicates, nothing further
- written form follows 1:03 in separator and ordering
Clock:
2:03
